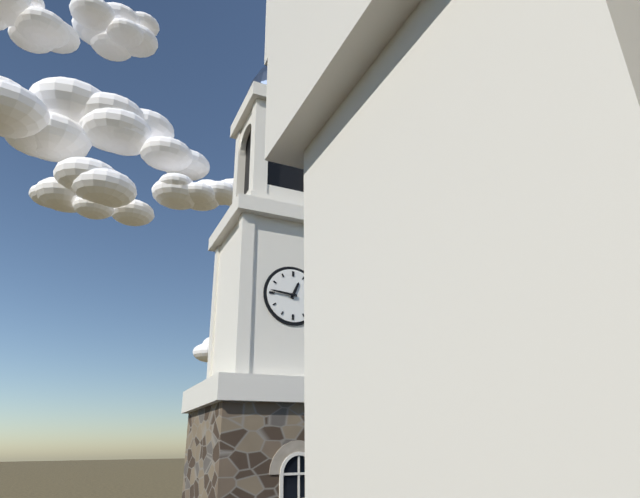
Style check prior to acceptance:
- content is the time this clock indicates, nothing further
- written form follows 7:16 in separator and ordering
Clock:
12:46
